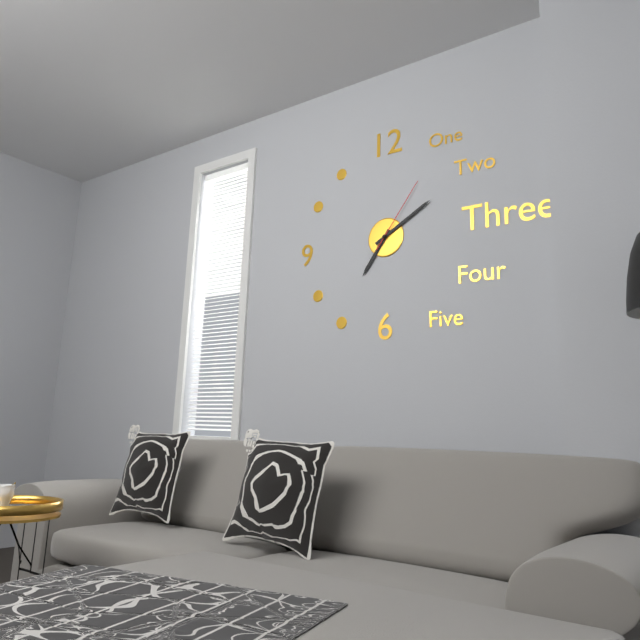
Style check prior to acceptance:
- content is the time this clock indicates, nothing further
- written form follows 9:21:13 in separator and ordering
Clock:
7:10:06
